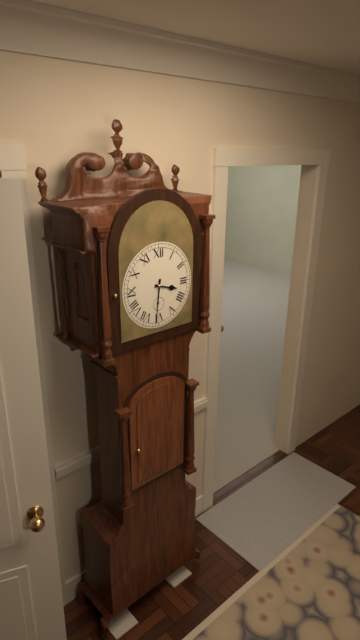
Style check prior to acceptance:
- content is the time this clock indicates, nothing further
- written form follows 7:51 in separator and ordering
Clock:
3:31
